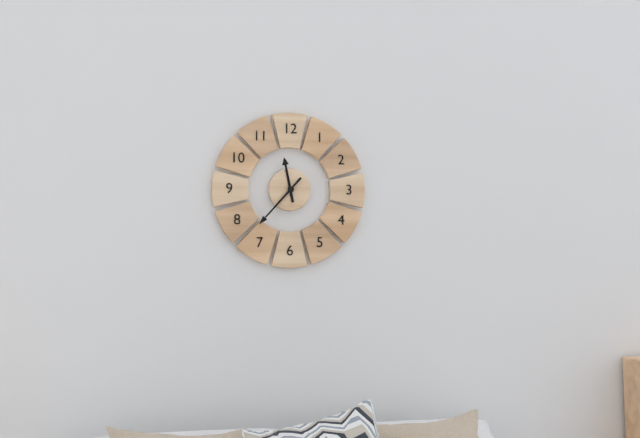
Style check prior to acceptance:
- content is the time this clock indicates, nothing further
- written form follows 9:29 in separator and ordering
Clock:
11:37
